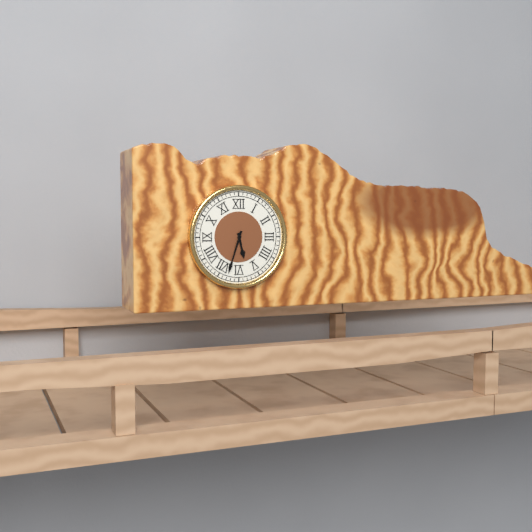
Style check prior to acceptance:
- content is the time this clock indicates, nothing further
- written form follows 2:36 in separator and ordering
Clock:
5:33
